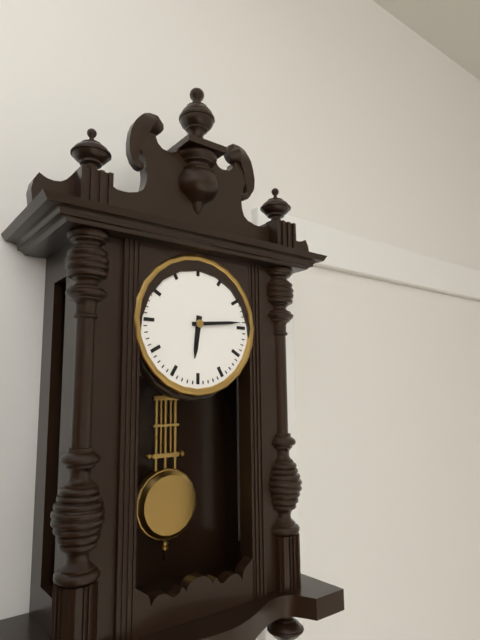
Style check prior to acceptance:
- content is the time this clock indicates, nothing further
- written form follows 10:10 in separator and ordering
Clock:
6:14
